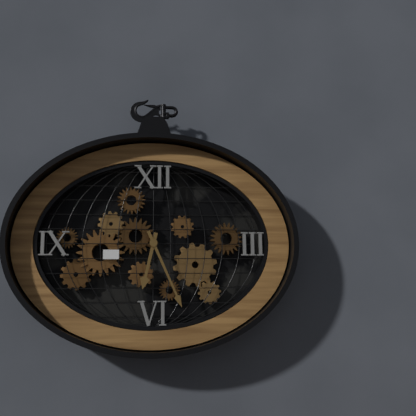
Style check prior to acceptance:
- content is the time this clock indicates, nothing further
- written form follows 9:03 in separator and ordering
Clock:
6:26
